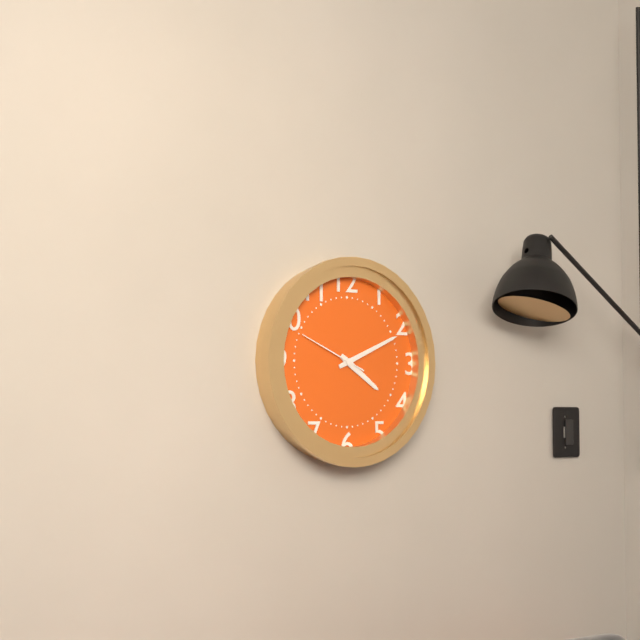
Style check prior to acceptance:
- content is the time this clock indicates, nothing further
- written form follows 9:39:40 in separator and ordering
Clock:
4:11:49
